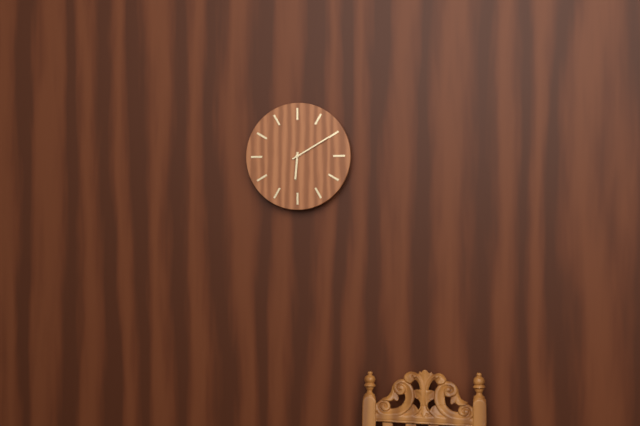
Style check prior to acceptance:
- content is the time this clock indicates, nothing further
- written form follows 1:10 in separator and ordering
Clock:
6:10
